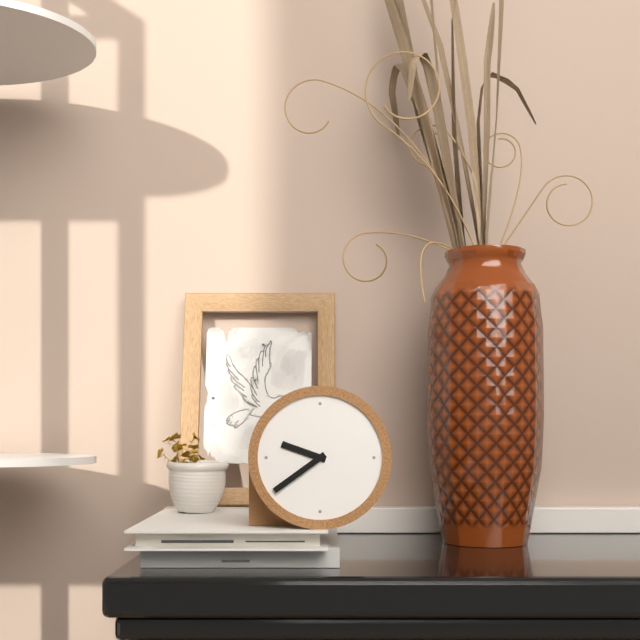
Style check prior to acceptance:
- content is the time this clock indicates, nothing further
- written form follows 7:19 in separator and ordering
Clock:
9:39
